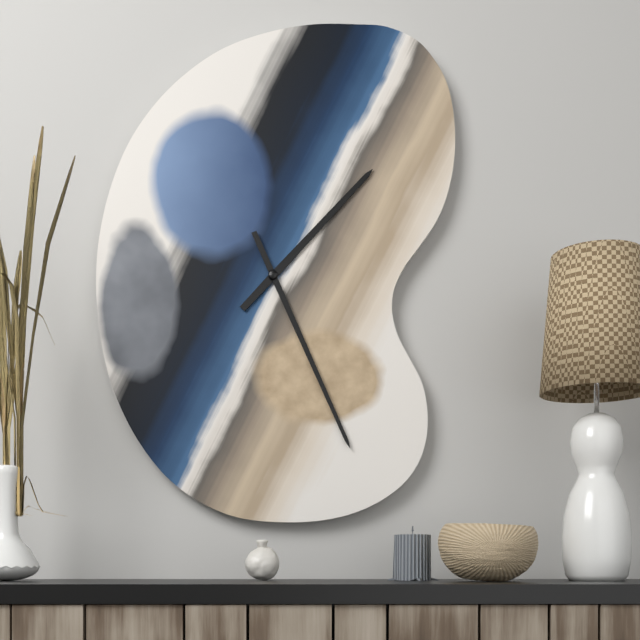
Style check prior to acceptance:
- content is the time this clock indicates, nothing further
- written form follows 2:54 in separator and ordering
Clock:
1:26
